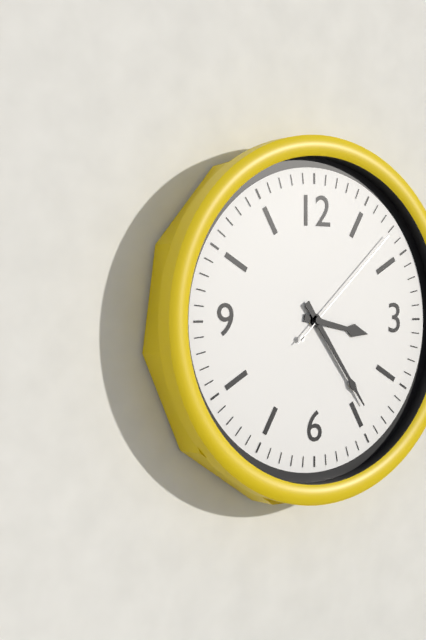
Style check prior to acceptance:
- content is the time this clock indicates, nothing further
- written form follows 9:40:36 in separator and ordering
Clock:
3:24:08
